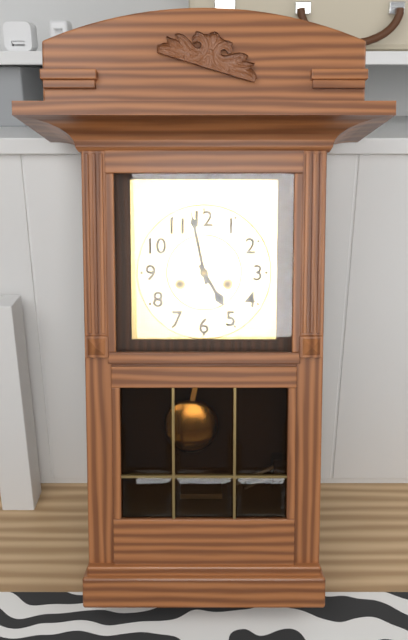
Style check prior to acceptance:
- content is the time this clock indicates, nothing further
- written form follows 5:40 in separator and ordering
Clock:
4:58
